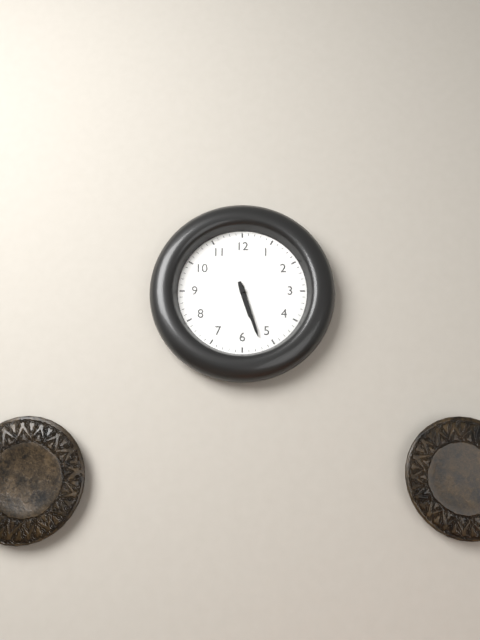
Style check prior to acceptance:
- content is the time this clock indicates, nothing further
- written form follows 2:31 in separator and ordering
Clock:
5:27
